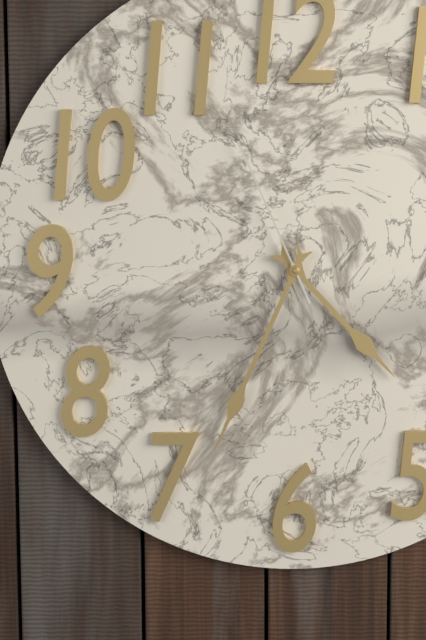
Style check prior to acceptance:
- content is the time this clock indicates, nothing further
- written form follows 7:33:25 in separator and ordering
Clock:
4:34:56
